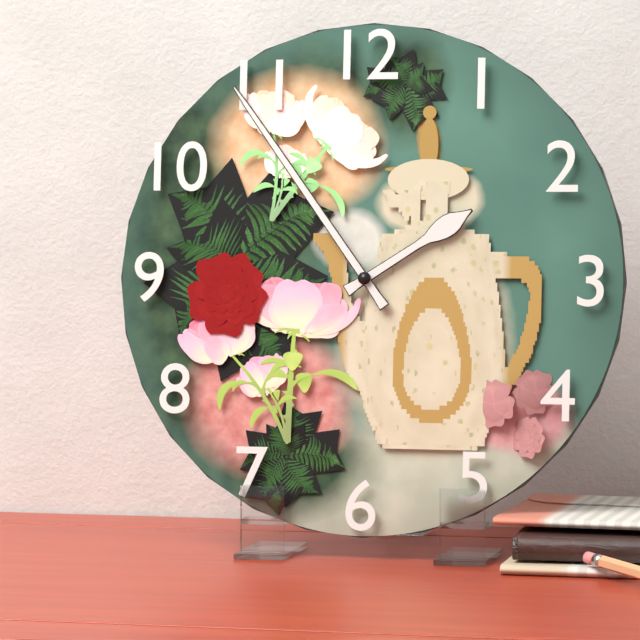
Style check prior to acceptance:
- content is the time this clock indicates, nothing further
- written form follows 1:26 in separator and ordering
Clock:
1:54
